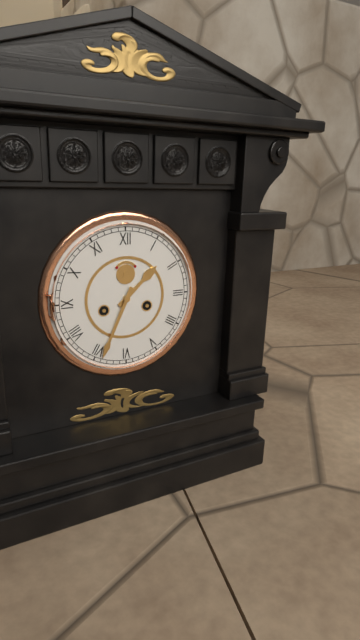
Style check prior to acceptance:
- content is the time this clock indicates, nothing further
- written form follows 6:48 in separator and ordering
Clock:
1:34
